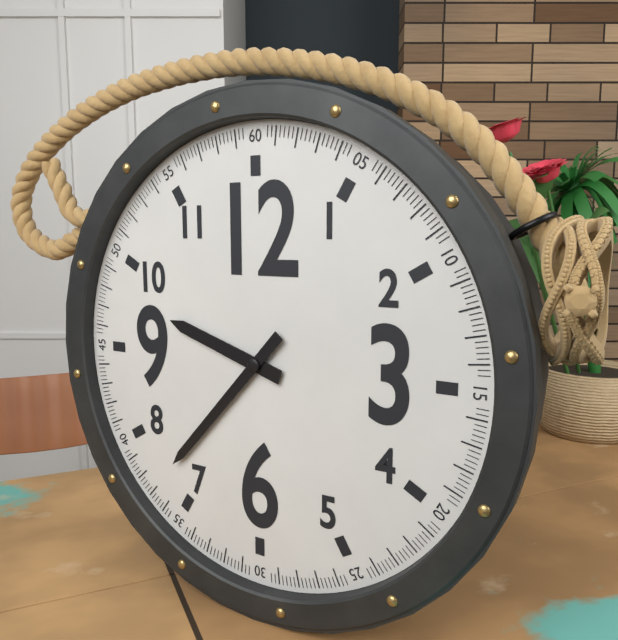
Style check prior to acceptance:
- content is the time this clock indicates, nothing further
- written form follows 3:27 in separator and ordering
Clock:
9:37
